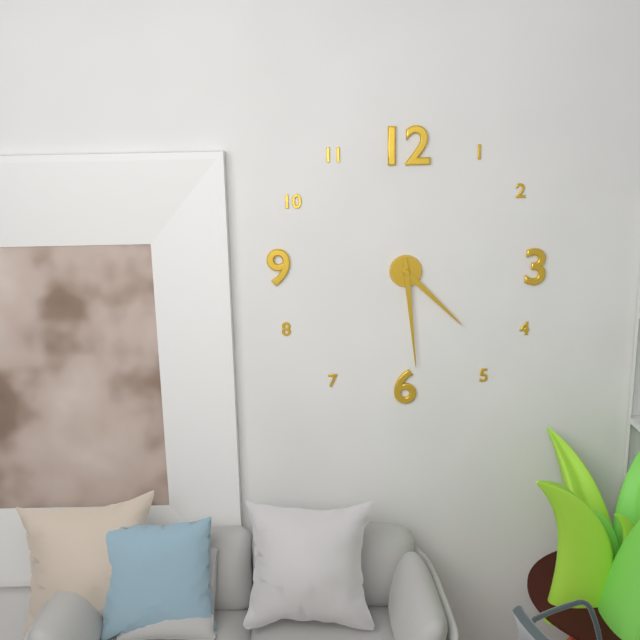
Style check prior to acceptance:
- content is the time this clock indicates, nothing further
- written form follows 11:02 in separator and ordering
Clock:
4:29
